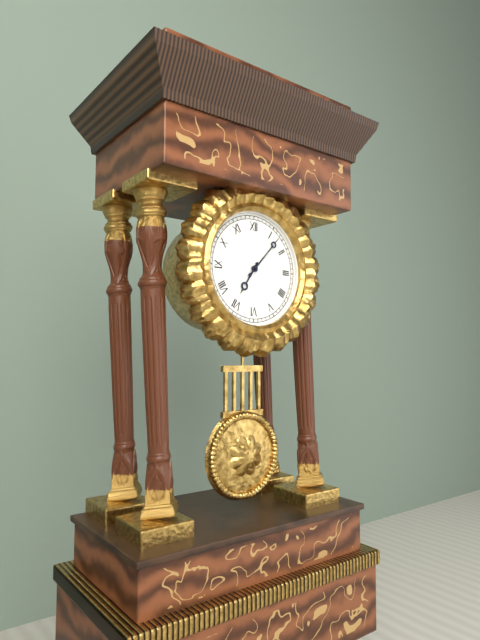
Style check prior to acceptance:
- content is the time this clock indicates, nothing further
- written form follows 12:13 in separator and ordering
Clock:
7:07
